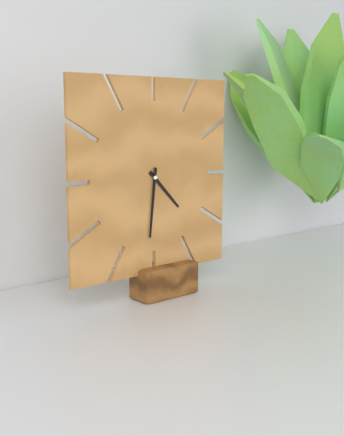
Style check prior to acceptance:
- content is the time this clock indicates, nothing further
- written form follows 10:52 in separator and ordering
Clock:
4:31
